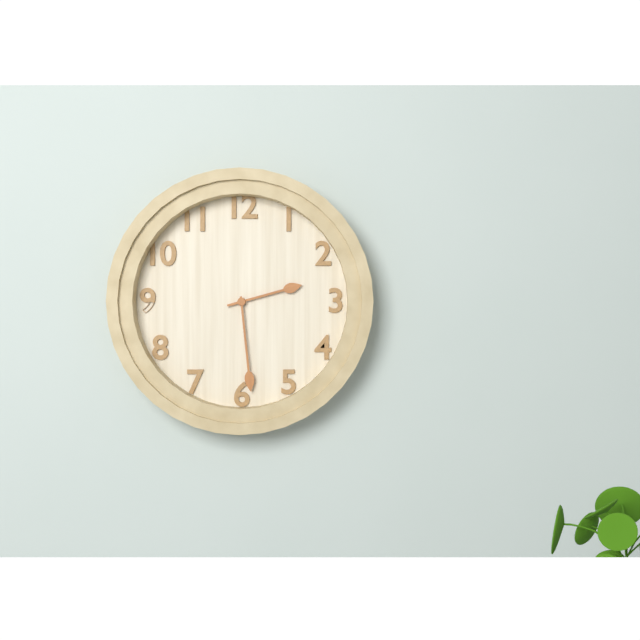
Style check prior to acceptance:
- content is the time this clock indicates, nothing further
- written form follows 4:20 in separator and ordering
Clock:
2:29
